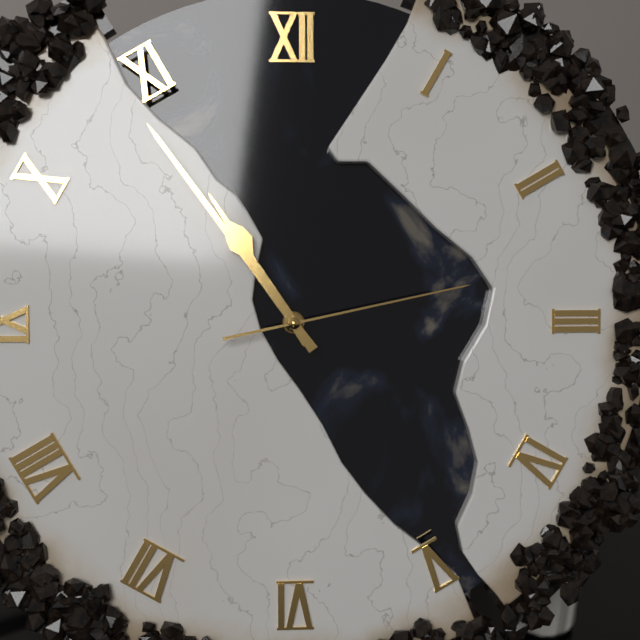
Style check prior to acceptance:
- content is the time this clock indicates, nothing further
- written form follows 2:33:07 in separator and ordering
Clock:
10:54:13
